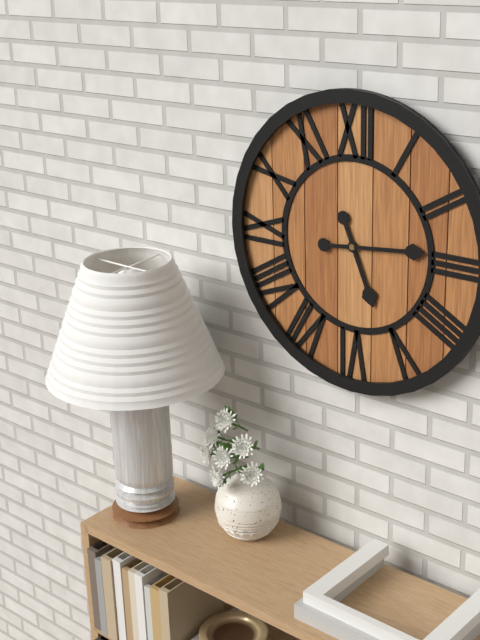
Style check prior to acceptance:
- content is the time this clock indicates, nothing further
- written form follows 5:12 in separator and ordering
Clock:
5:14
